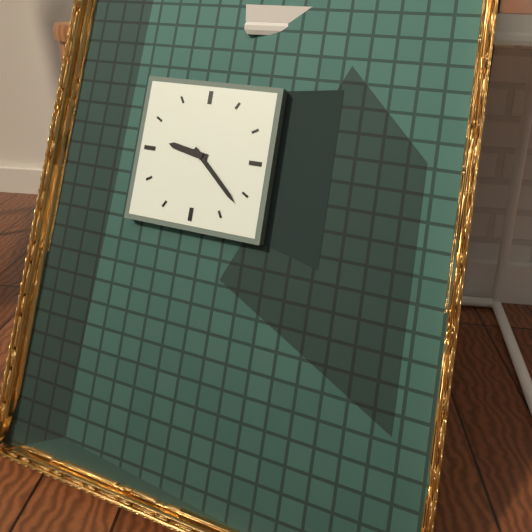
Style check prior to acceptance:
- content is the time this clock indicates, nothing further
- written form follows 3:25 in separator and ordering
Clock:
9:22
